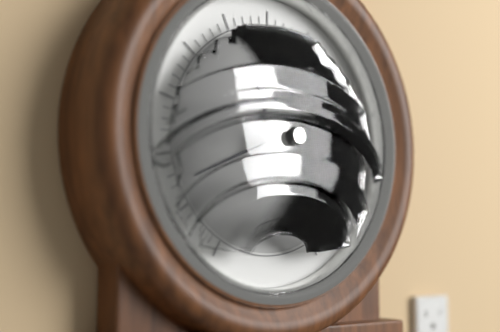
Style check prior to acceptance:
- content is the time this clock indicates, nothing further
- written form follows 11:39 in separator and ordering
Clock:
11:41
